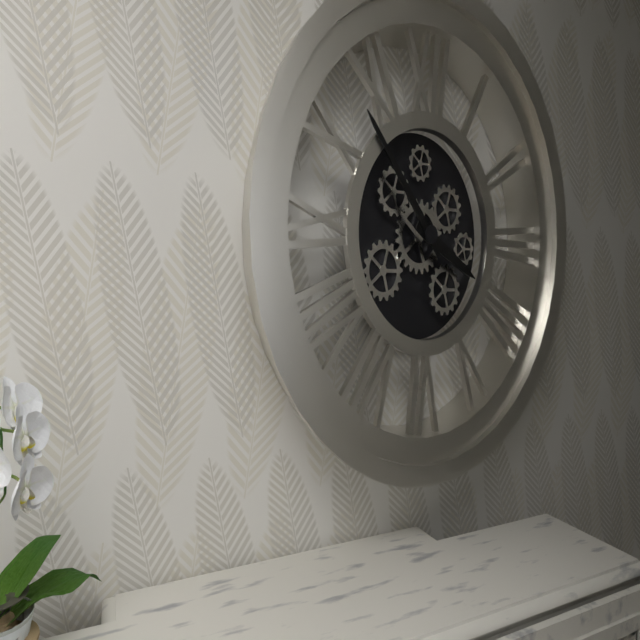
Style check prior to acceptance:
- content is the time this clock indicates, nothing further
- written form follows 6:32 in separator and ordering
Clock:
3:53
